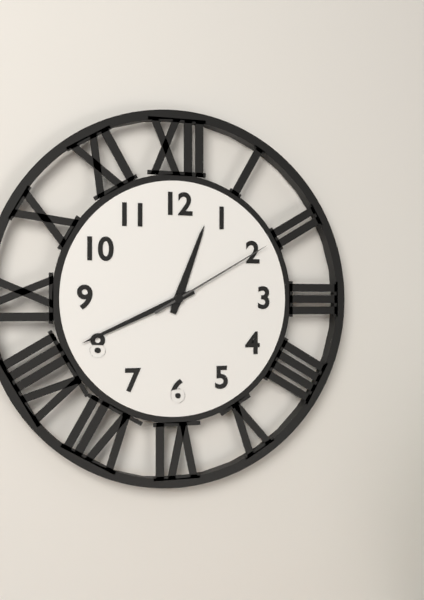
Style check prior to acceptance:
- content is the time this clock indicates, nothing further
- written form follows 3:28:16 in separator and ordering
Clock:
12:41:10
